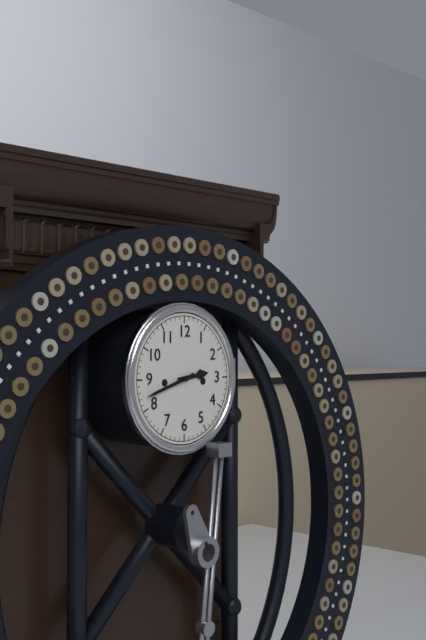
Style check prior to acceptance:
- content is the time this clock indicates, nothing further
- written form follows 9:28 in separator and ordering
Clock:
2:42
